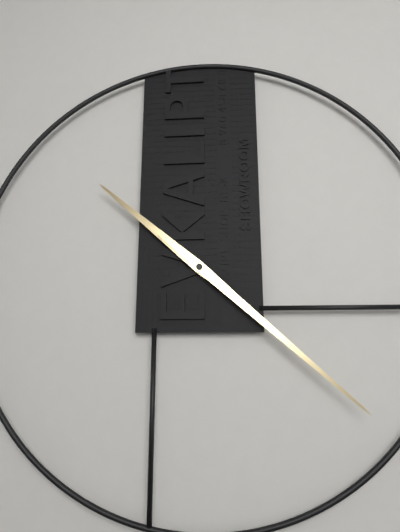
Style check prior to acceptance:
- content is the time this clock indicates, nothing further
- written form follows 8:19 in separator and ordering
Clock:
10:22
